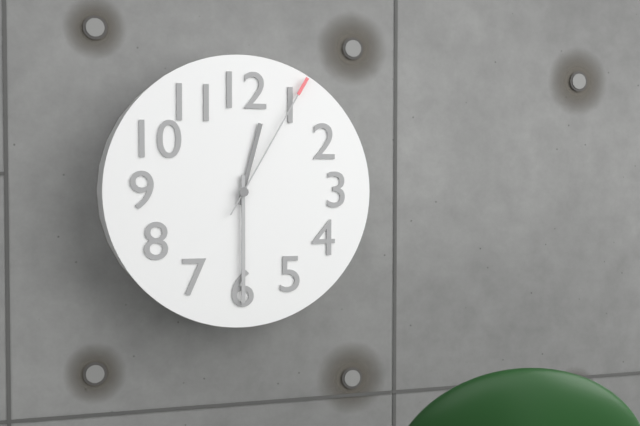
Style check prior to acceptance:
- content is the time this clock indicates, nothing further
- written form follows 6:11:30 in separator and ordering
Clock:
12:30:05
